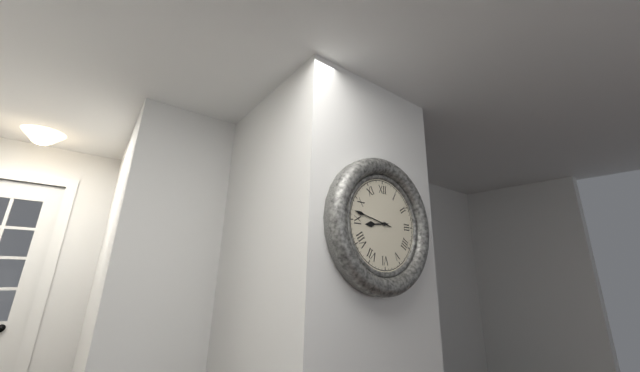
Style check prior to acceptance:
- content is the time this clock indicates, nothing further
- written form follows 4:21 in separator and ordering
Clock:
8:47
